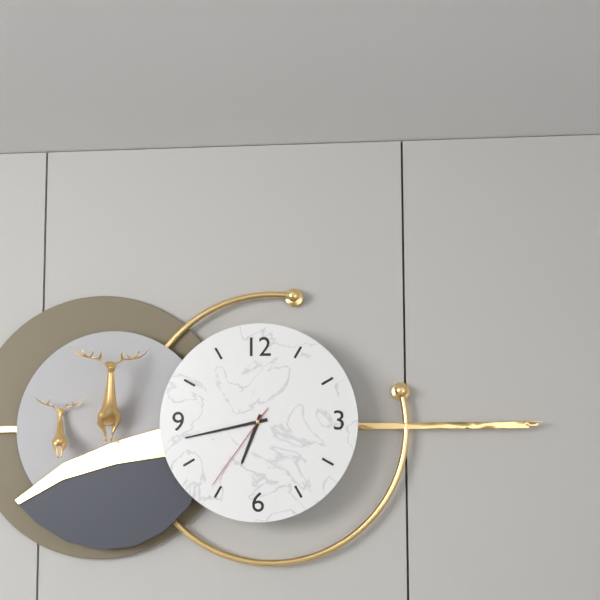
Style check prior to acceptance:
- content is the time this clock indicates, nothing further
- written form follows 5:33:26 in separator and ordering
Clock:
6:43:36
